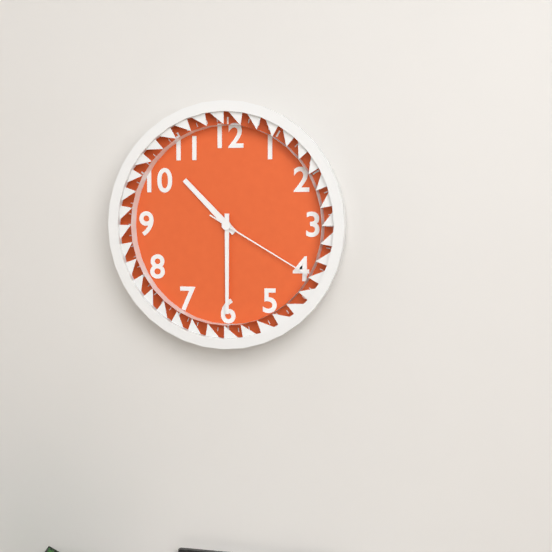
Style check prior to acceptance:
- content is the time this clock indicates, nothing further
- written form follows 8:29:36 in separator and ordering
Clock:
10:30:20
